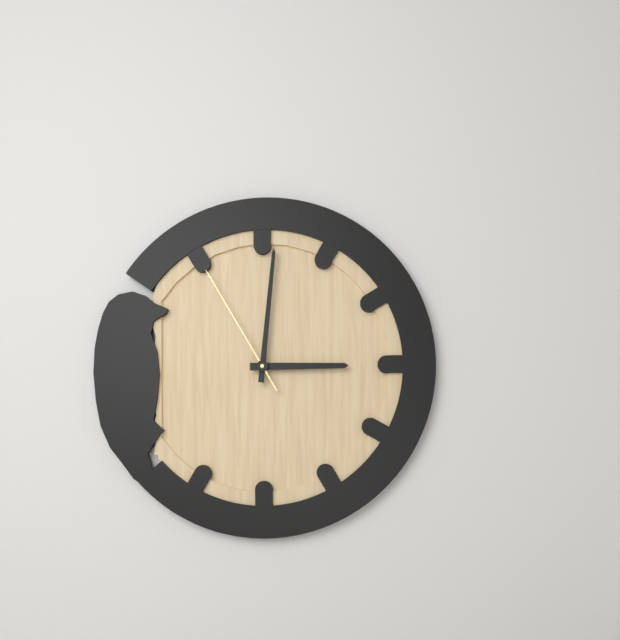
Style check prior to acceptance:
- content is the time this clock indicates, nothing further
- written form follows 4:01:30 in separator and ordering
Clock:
3:01:55
